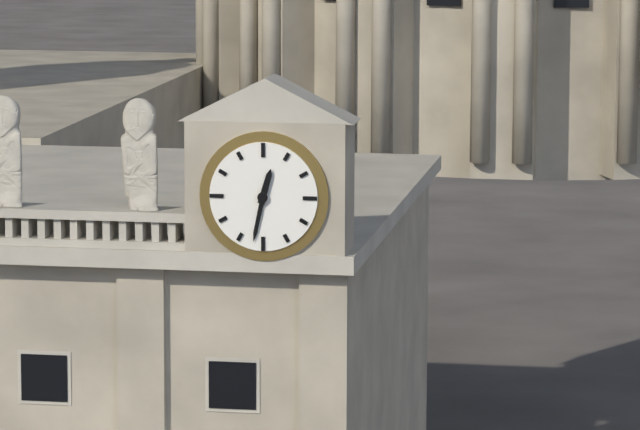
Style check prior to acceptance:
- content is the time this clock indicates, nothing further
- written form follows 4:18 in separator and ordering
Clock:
12:32
